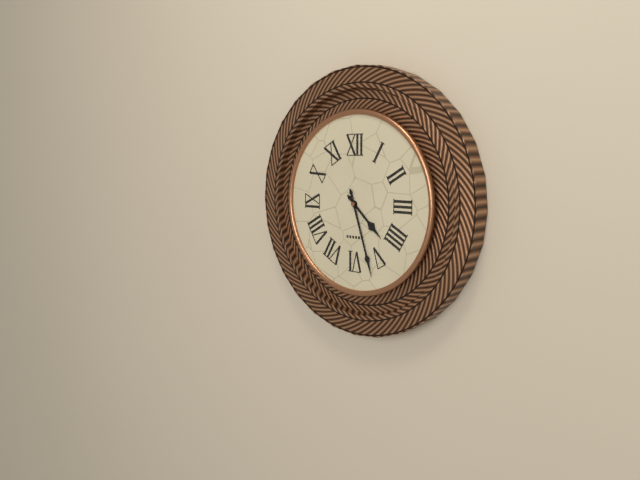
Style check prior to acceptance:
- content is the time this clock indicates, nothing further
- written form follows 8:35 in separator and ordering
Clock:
4:27
